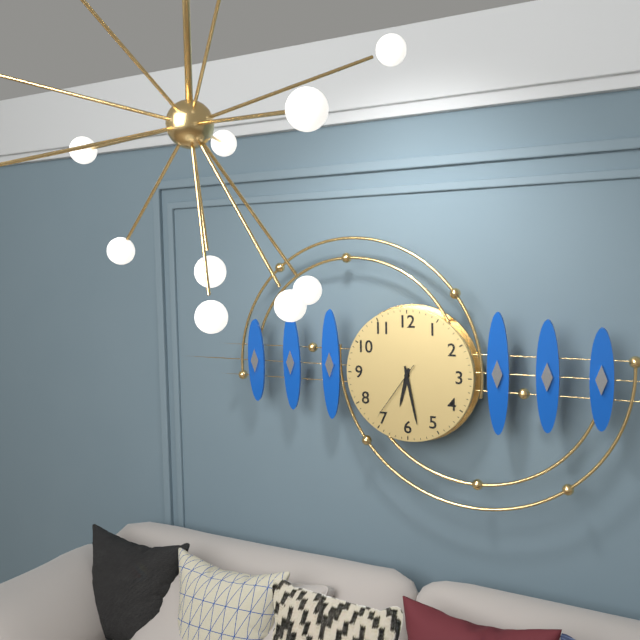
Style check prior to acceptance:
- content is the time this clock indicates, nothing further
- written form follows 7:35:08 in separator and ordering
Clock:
6:28:36
